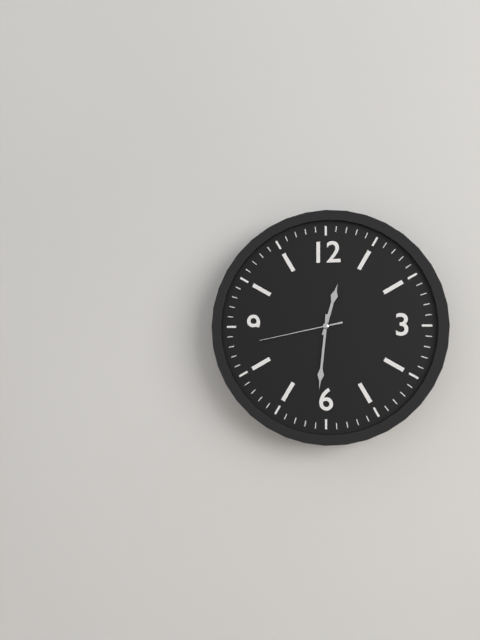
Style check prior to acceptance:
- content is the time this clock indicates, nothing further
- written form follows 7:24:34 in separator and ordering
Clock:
12:31:43
